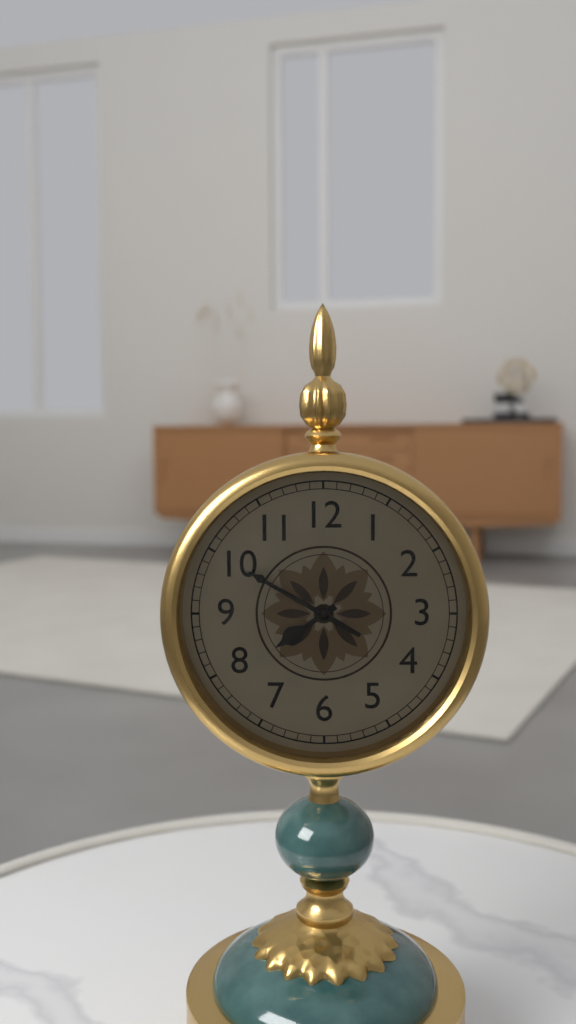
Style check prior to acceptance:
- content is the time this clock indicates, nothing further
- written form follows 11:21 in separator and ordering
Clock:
7:50
